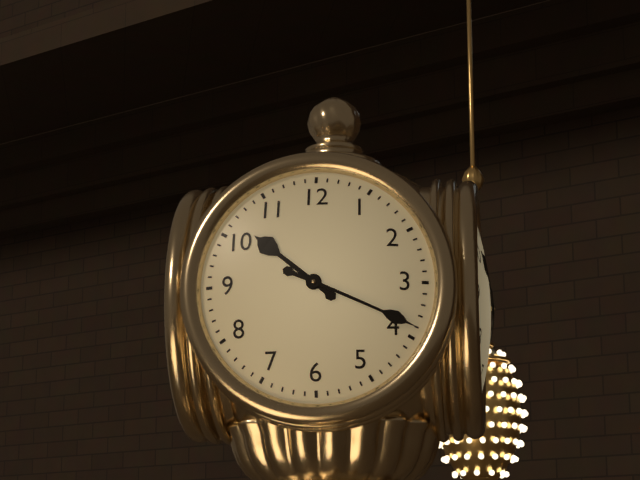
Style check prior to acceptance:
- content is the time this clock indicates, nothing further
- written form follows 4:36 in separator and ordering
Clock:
10:19
